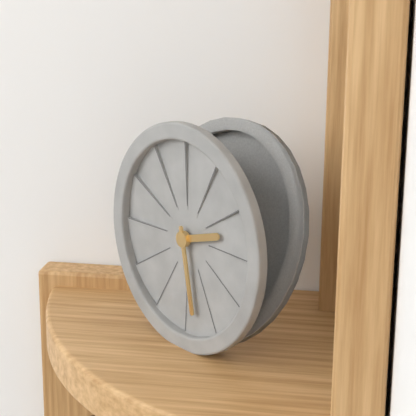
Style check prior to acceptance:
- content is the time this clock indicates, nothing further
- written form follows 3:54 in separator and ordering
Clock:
2:28
